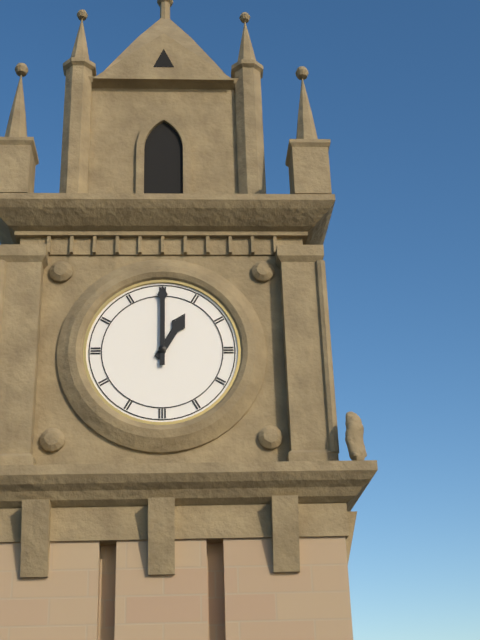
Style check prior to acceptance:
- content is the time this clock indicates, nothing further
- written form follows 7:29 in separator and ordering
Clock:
1:00
